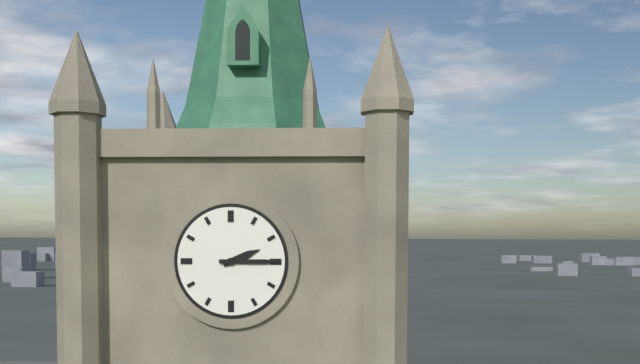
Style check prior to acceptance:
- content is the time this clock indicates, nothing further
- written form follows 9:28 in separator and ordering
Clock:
2:15
